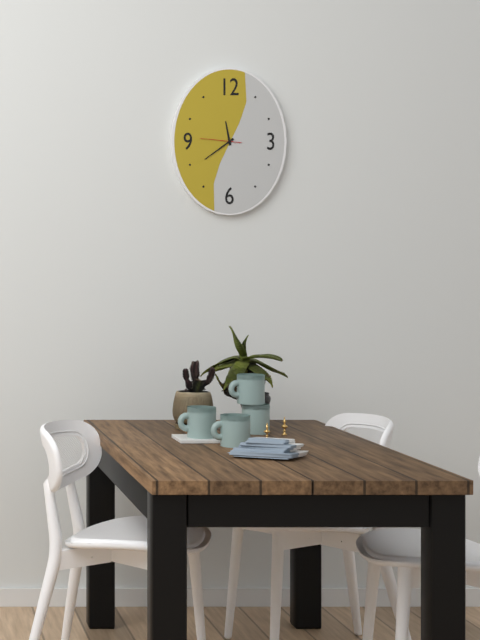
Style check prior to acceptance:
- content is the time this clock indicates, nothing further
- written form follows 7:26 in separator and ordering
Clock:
11:39
